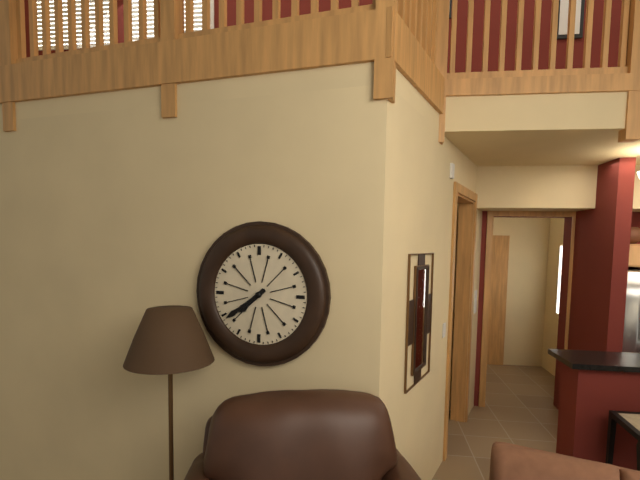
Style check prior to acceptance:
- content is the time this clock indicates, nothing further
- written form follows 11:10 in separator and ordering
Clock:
7:39
